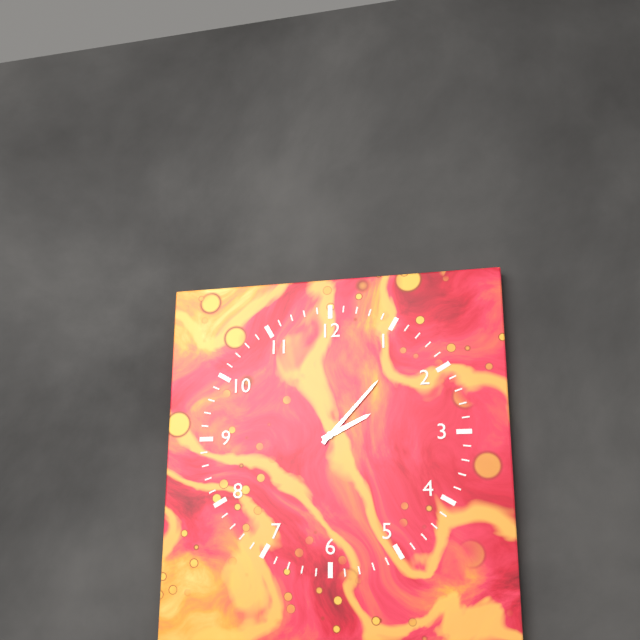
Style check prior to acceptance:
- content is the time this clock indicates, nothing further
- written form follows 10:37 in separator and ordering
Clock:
2:07
